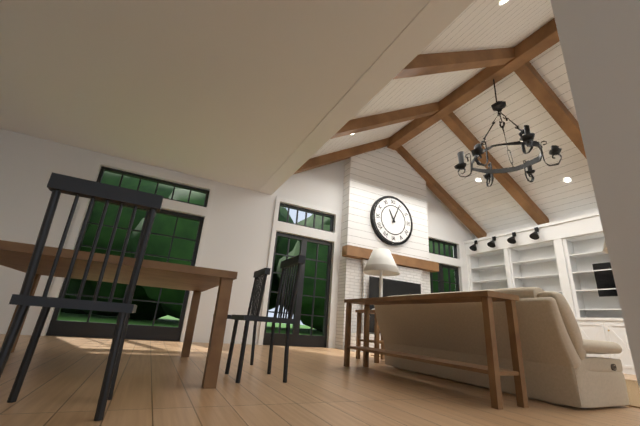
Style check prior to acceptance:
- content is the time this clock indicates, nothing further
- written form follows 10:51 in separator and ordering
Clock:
11:04
